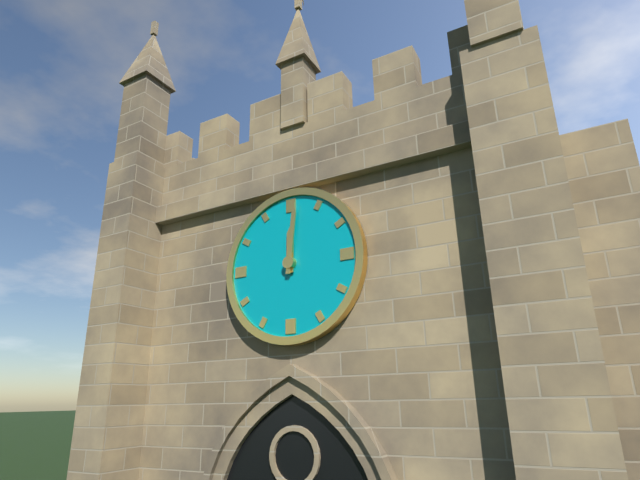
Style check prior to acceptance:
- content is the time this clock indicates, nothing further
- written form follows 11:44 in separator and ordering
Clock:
12:01
